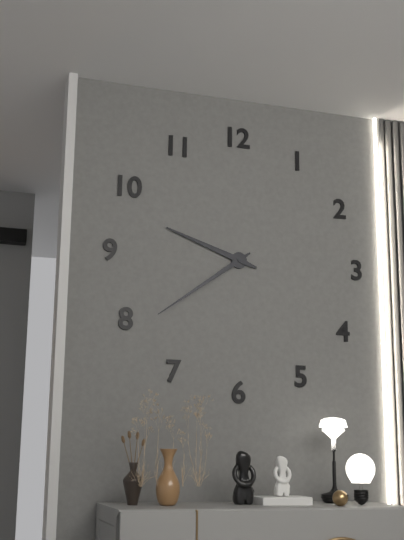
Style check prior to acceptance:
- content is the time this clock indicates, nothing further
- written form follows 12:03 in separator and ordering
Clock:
9:39
